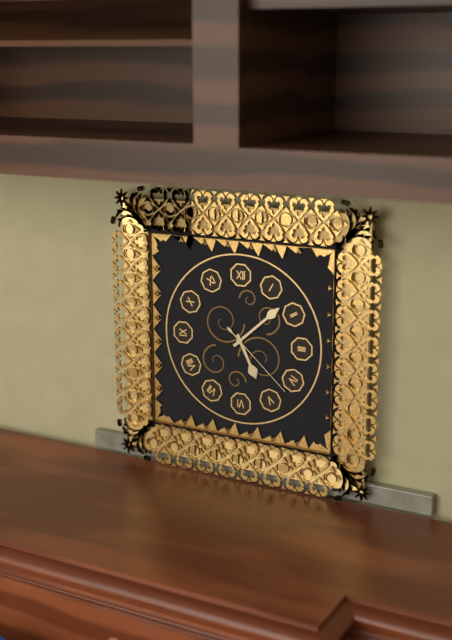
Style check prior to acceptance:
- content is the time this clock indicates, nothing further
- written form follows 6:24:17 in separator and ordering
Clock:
5:08:22
